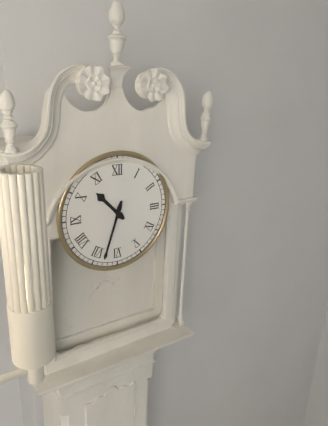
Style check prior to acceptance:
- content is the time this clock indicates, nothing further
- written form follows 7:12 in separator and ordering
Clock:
10:33
